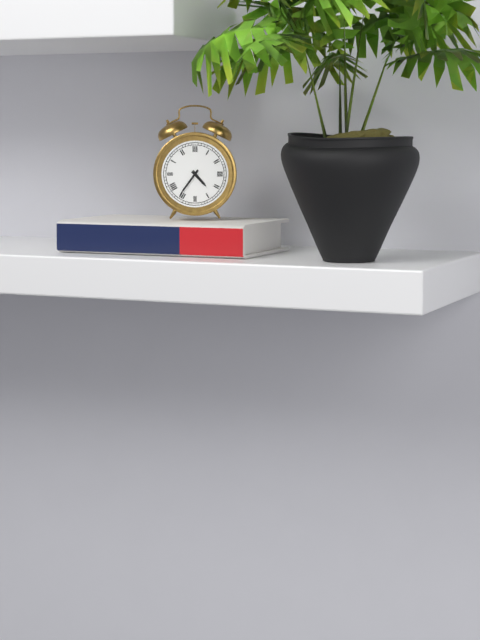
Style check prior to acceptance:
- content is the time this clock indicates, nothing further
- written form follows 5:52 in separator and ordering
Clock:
4:36
